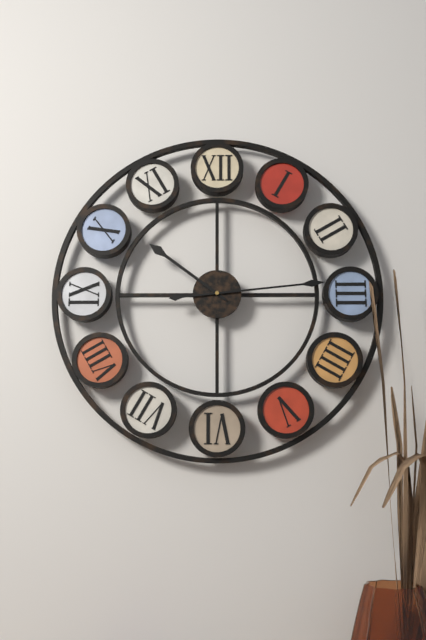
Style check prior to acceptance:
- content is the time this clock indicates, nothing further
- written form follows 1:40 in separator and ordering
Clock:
10:14
